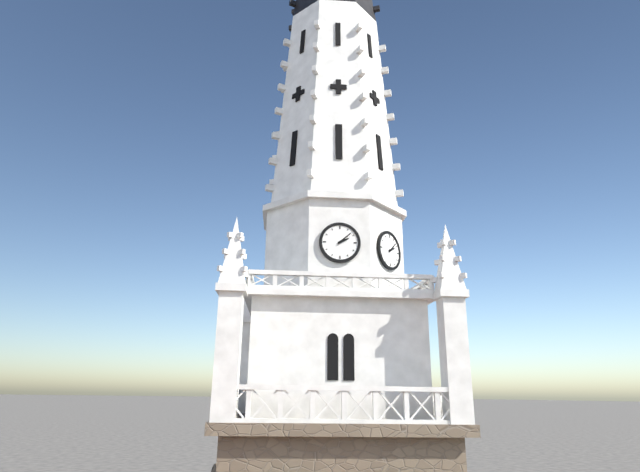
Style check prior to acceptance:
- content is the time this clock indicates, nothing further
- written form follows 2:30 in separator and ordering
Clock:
2:08
